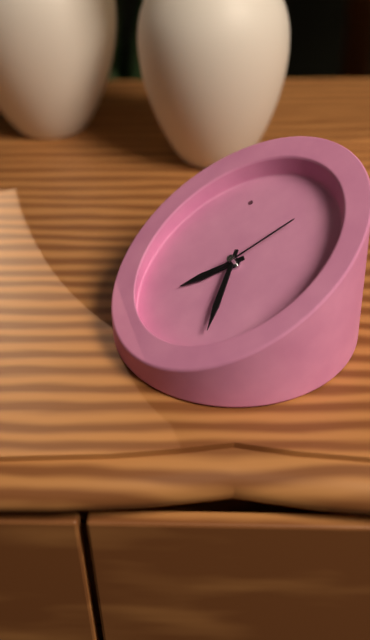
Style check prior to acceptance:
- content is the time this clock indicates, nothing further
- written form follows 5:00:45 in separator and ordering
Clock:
9:38:16
